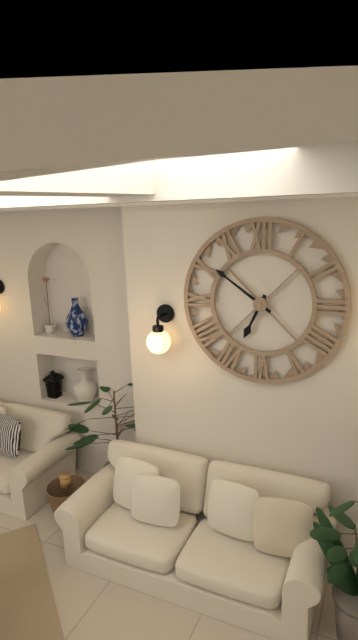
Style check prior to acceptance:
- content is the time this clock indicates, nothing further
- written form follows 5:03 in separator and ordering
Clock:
6:51
